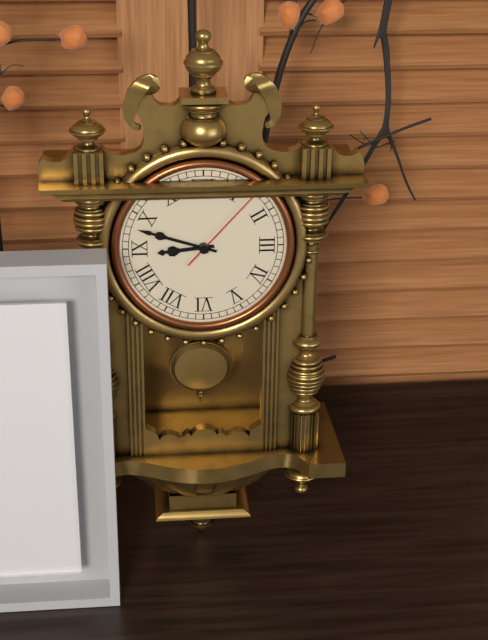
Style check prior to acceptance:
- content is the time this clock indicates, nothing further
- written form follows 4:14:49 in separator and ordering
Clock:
8:48:07
